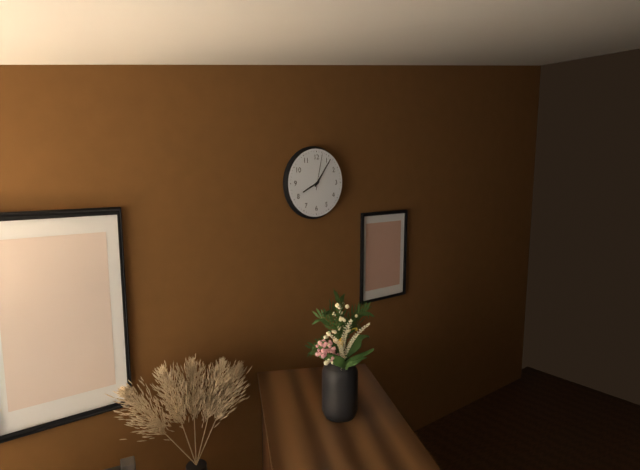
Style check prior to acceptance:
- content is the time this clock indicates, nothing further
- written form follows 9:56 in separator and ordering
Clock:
8:06
